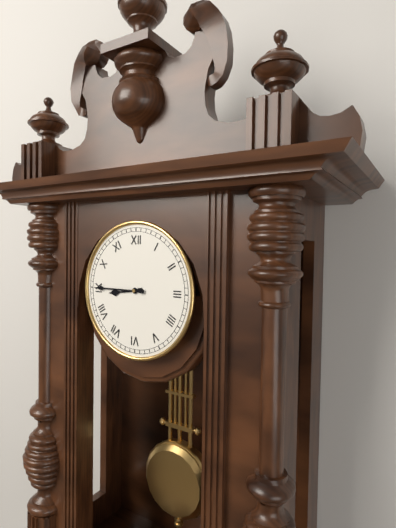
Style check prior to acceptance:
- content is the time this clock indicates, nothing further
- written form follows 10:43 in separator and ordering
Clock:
8:45
